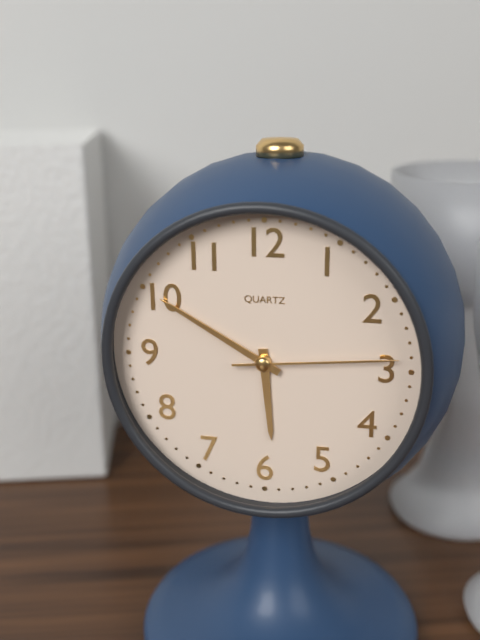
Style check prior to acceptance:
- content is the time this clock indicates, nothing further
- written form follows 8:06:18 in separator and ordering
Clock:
5:50:14
